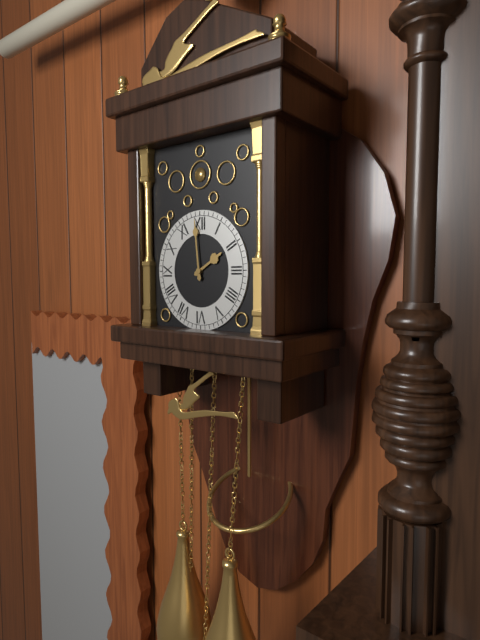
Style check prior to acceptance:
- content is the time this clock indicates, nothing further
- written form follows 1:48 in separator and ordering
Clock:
1:59
